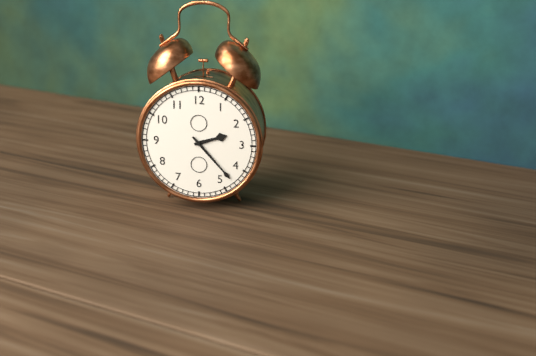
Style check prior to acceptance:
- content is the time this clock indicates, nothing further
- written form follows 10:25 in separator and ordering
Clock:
2:23
